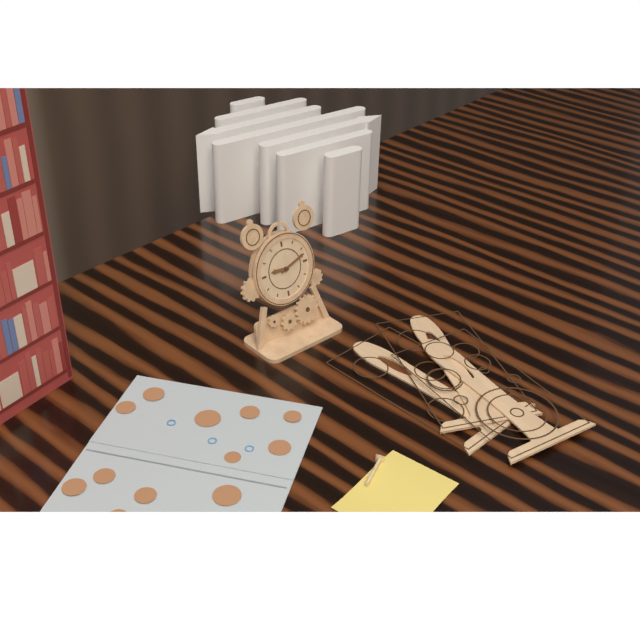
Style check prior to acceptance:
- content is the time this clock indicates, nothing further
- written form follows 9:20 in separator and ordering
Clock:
9:12
